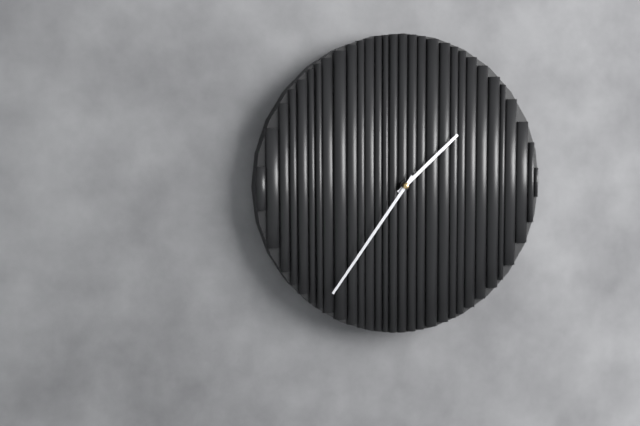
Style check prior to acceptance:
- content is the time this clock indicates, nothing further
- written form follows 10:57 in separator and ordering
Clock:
1:36
